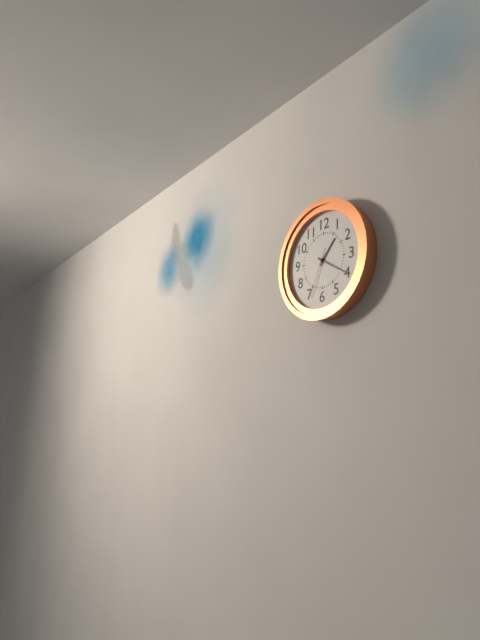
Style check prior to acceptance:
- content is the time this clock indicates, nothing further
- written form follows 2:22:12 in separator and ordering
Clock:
1:20:34
